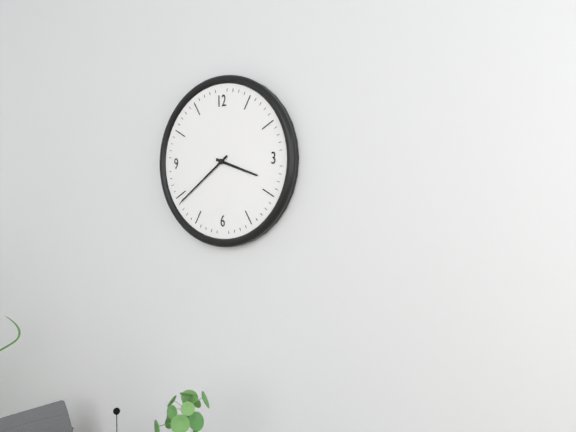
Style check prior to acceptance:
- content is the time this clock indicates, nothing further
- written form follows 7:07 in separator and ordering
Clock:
3:39
